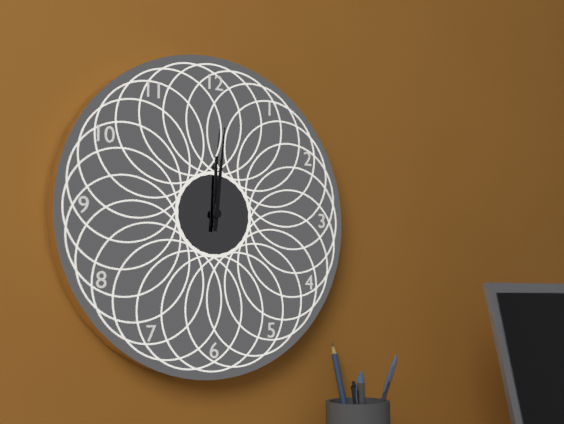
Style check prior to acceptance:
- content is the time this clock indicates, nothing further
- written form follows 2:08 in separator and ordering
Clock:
12:01
